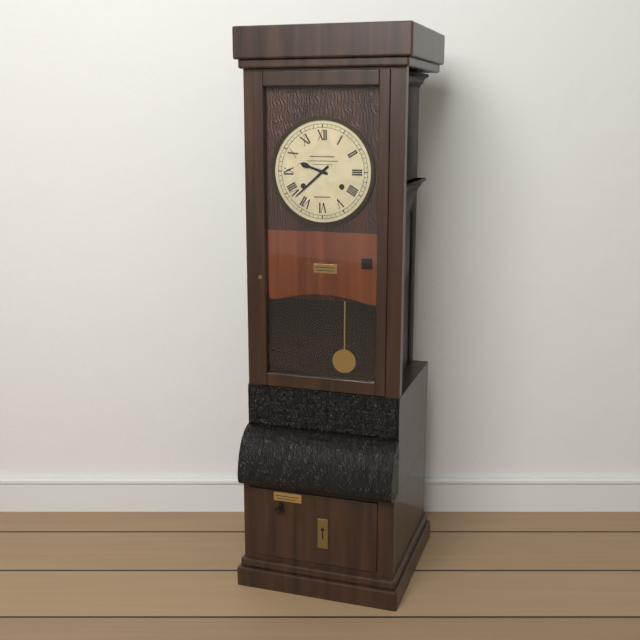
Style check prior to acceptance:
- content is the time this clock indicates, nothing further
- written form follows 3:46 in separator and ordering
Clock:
9:38
